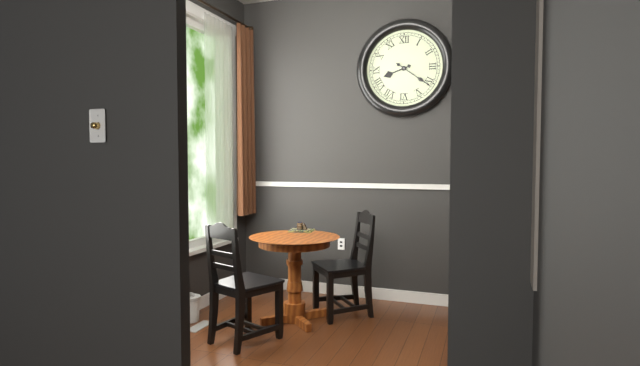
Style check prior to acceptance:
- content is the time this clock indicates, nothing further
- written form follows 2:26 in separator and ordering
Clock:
8:21
